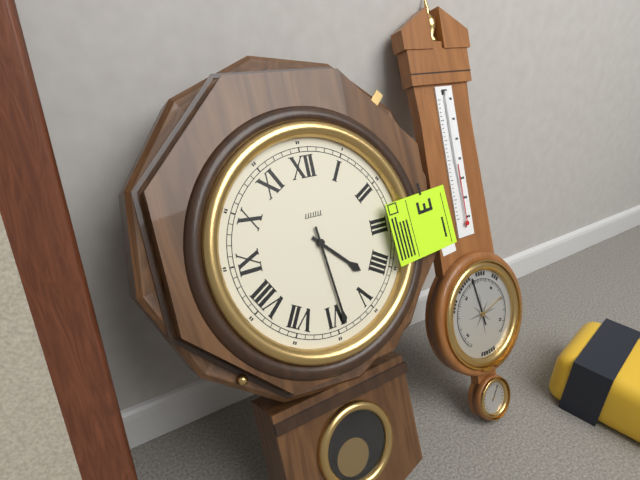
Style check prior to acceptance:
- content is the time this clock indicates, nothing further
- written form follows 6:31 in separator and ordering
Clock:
4:29
